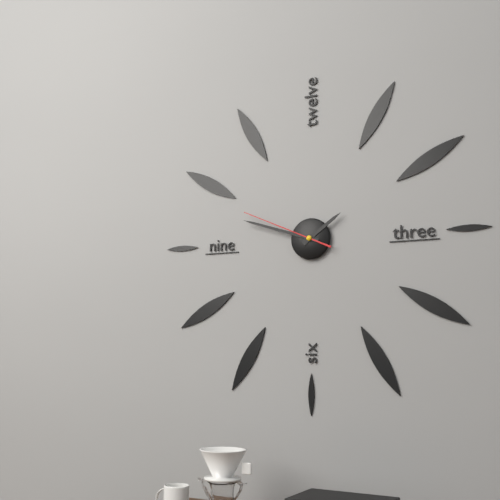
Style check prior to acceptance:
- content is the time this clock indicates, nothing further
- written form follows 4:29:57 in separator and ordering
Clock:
1:48:49
